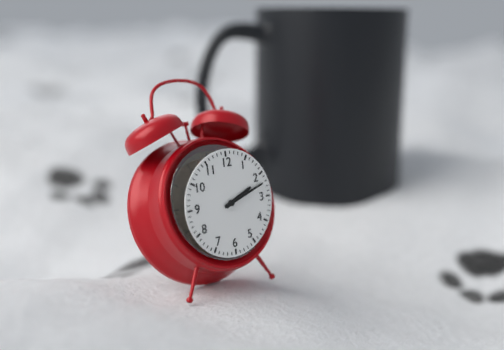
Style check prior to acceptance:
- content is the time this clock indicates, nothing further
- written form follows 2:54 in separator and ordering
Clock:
2:12
